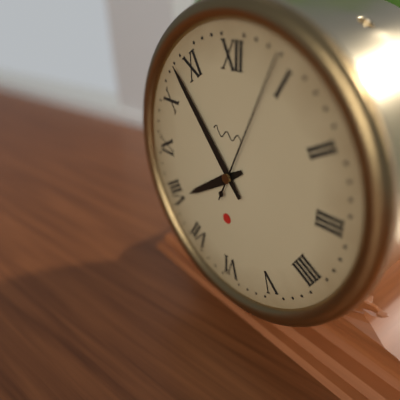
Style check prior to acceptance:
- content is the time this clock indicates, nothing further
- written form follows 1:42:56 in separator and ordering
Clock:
7:53:04
